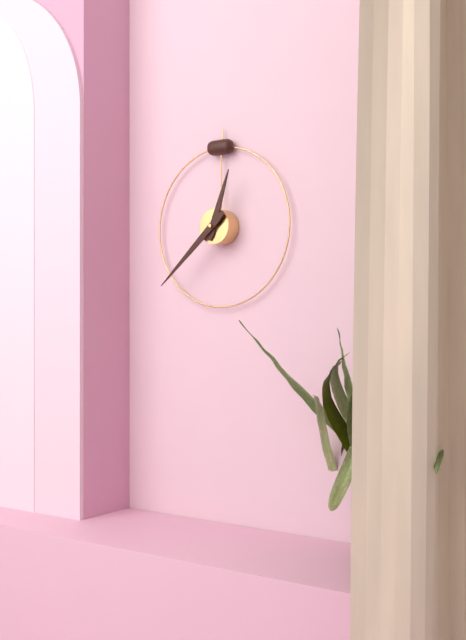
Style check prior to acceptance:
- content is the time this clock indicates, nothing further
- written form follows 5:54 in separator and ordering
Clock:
12:38
